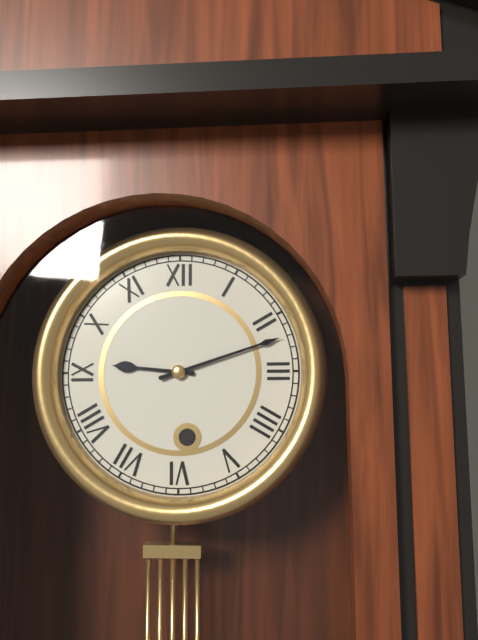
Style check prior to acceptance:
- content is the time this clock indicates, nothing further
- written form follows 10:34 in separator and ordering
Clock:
9:12
